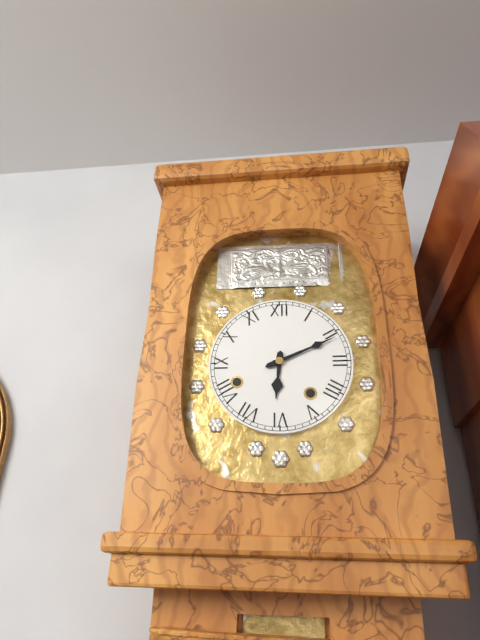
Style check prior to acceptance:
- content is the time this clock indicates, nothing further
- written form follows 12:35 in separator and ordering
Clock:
6:11
